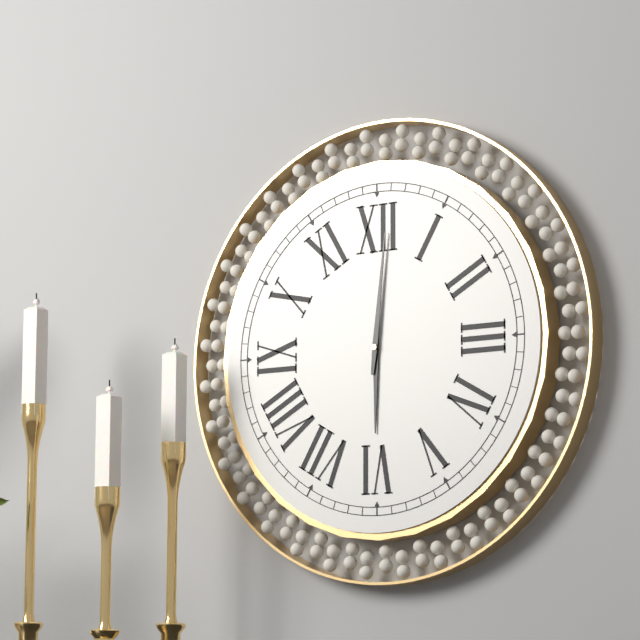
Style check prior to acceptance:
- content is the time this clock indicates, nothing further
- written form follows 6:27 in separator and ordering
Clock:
6:01
